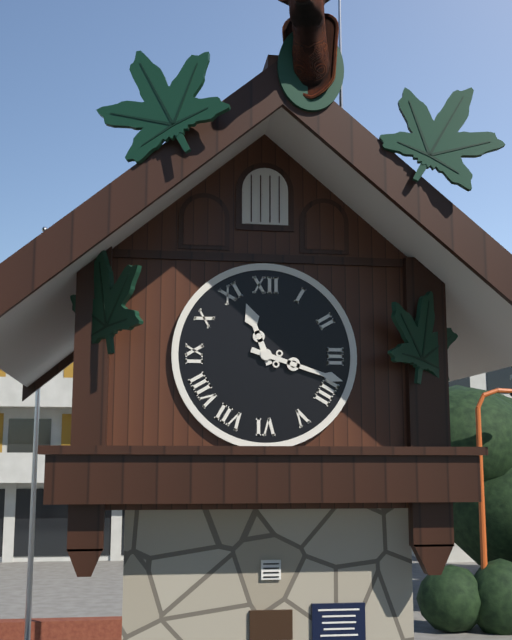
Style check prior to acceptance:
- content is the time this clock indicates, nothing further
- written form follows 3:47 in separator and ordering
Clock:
11:18
